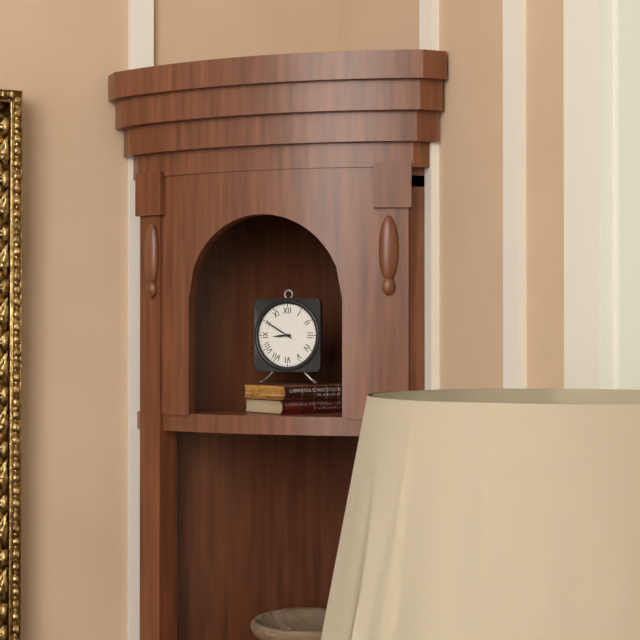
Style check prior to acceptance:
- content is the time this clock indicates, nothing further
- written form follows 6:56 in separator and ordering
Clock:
8:50
